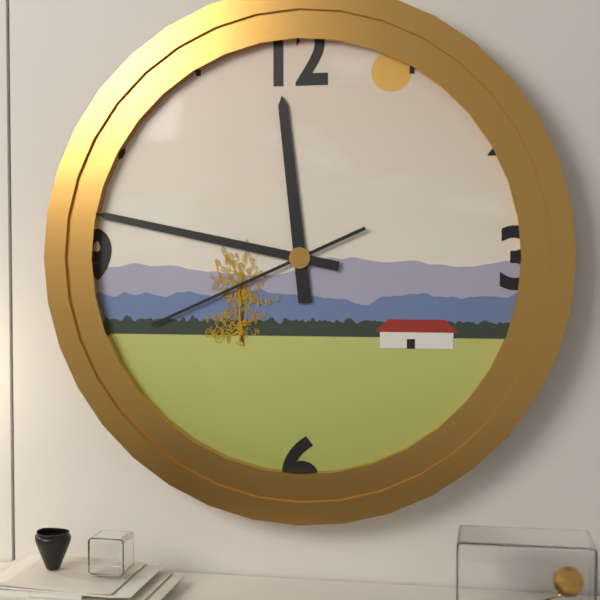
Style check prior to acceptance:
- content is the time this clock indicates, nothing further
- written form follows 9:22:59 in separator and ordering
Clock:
11:47:41
